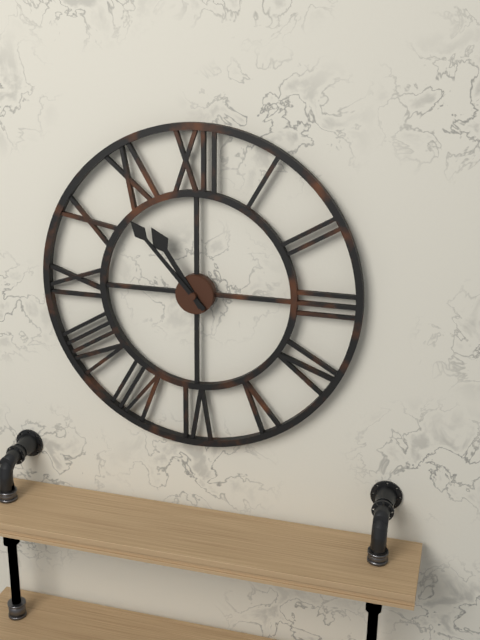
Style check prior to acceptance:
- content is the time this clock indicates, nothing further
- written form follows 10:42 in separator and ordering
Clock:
10:53
